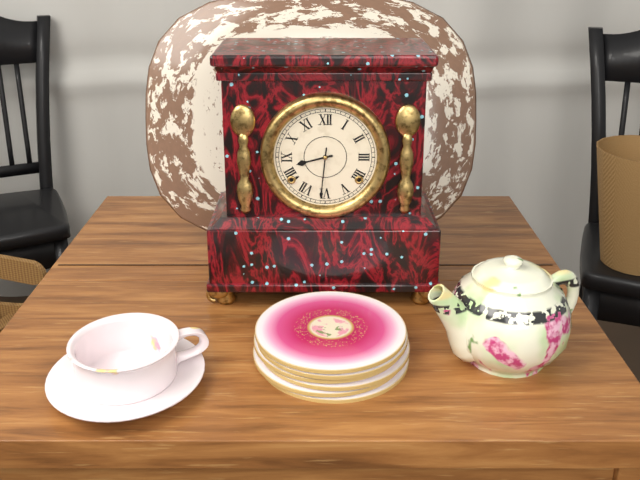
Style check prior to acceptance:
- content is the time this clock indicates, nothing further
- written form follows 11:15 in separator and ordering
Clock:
8:31
